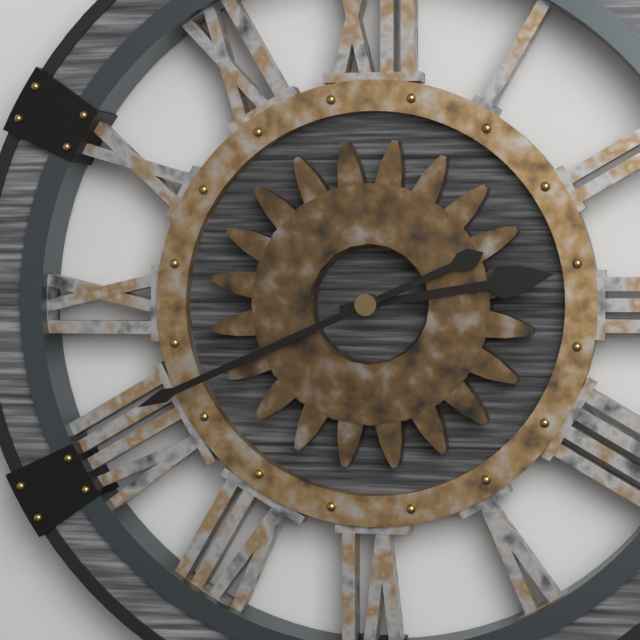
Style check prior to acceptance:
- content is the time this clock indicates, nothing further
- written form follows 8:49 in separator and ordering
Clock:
2:41
